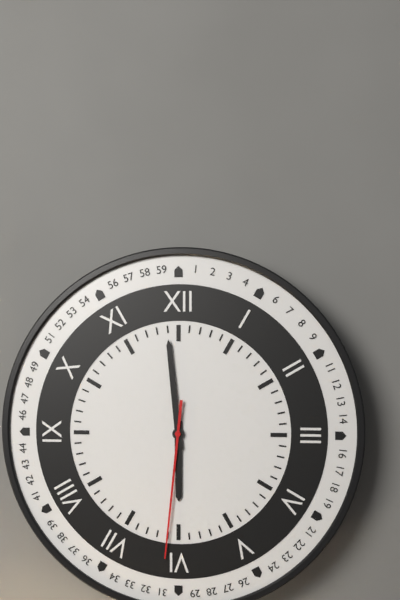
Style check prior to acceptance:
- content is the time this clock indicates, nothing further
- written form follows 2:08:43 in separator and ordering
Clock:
5:59:31
